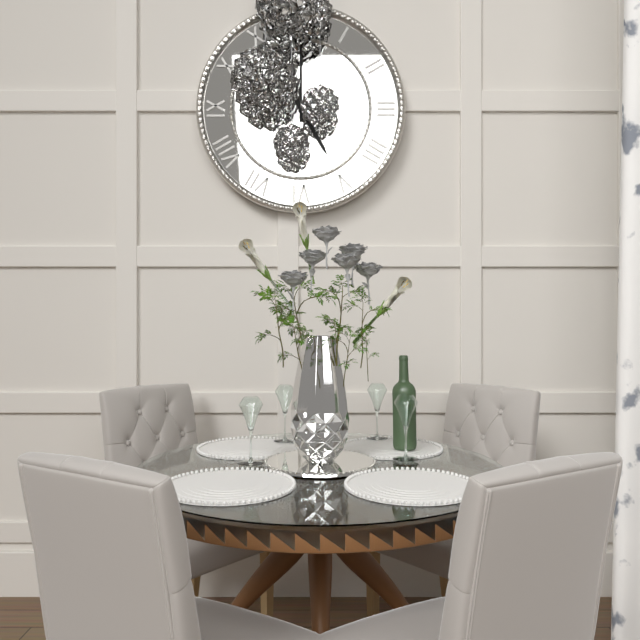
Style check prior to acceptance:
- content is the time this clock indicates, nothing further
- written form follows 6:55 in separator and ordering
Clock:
5:00
